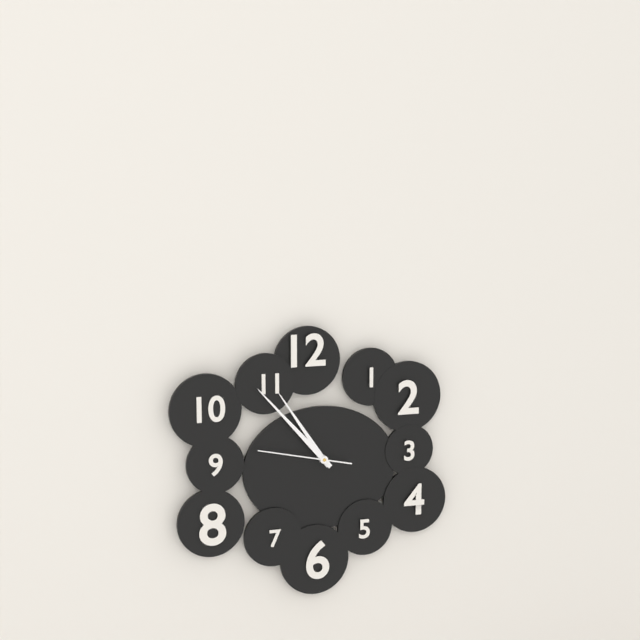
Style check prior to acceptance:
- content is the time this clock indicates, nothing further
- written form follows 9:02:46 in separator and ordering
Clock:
10:53:47
